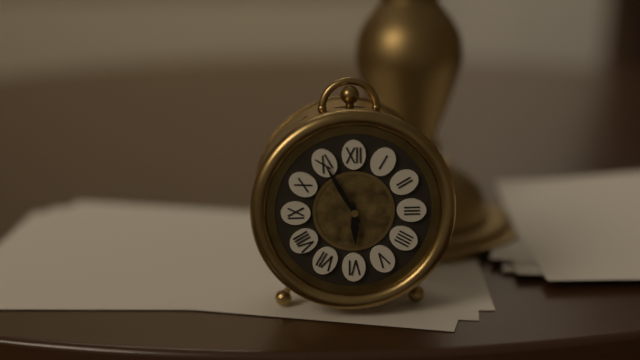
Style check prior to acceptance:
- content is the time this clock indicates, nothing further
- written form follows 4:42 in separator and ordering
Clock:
5:55
